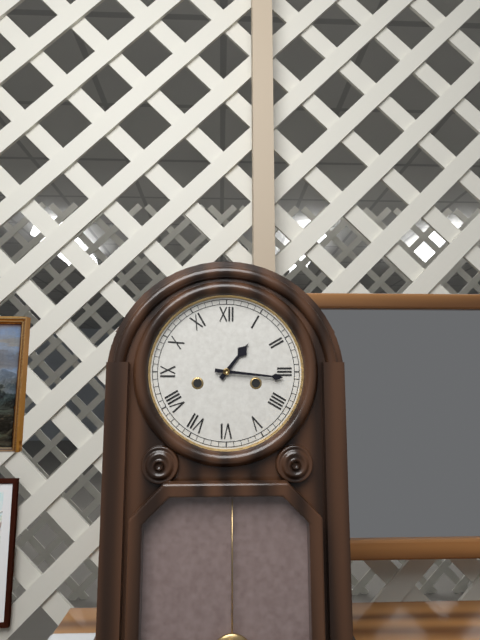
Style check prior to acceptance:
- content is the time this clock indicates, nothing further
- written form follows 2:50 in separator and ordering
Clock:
1:16
